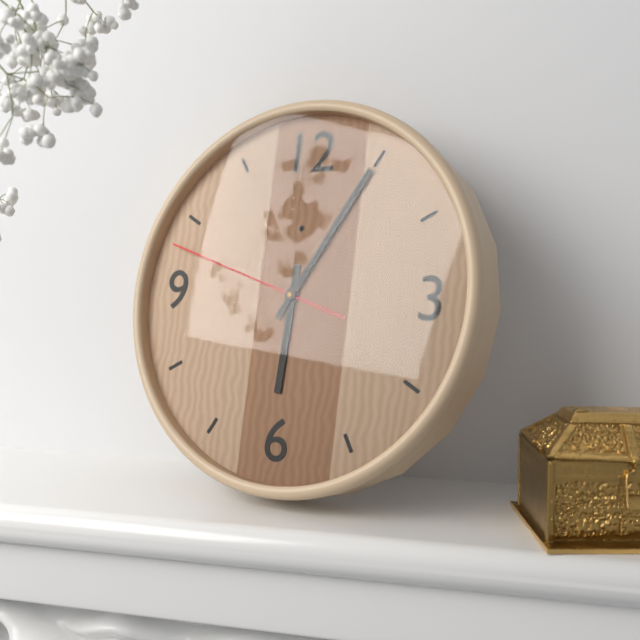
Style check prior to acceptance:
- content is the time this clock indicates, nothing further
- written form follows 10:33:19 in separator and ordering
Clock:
6:05:48
